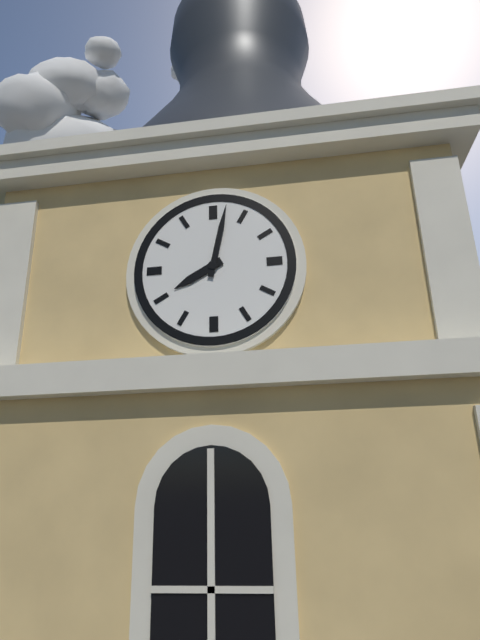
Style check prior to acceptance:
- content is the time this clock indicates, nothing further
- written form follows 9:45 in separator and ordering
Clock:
8:02
